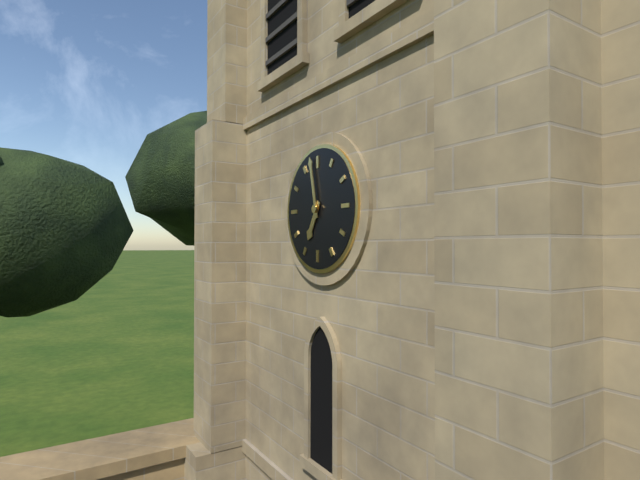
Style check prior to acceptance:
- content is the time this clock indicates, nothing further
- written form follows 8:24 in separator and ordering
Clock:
6:58
